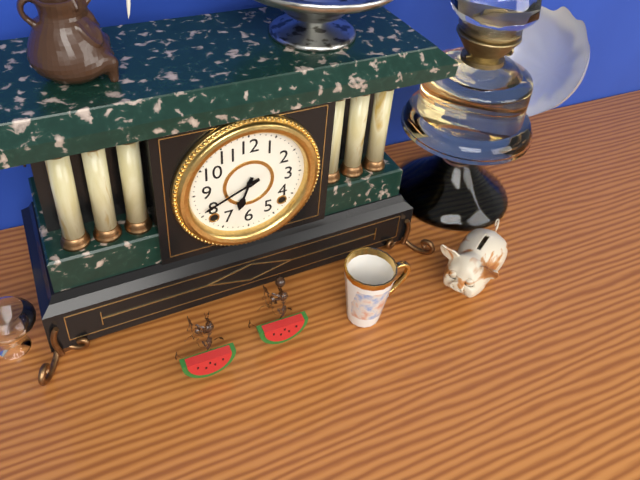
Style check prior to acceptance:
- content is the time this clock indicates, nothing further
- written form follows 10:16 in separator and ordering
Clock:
6:41
